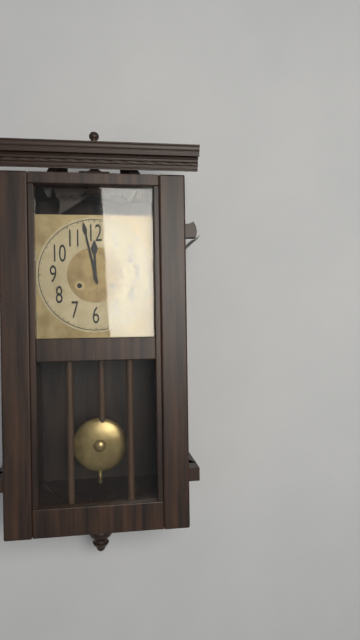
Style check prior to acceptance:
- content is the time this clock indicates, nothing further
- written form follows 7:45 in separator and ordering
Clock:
11:58
